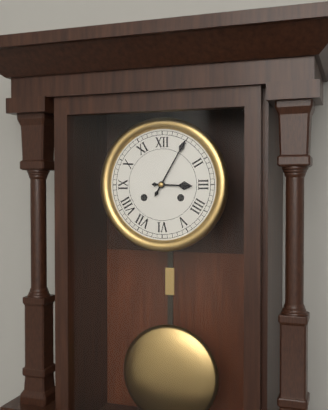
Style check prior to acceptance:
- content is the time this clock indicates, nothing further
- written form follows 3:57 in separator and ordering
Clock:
3:05
